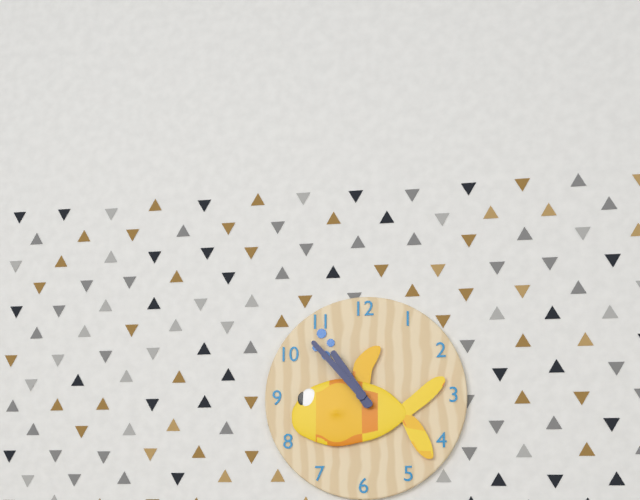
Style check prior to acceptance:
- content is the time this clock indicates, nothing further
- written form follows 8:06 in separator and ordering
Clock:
10:53
